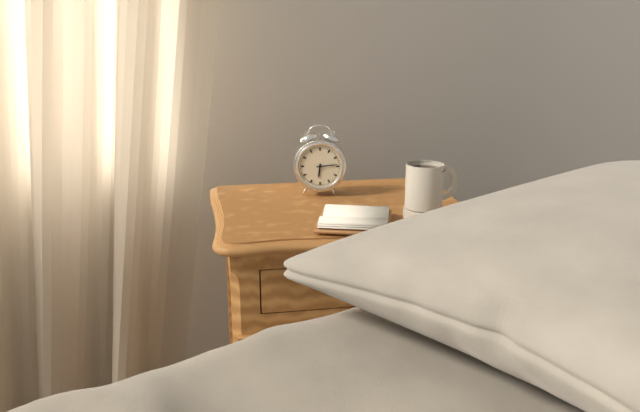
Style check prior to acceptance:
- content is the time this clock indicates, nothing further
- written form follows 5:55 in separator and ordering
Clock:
6:14
